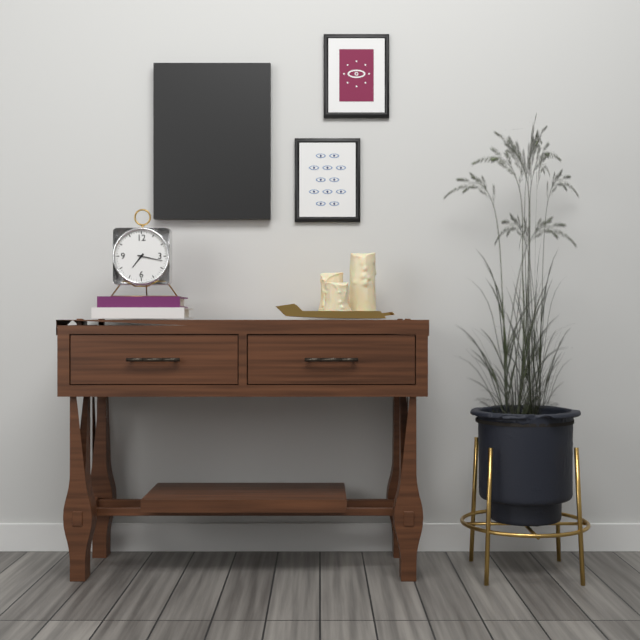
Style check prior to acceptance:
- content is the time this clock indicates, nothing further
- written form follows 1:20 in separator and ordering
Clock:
7:17
